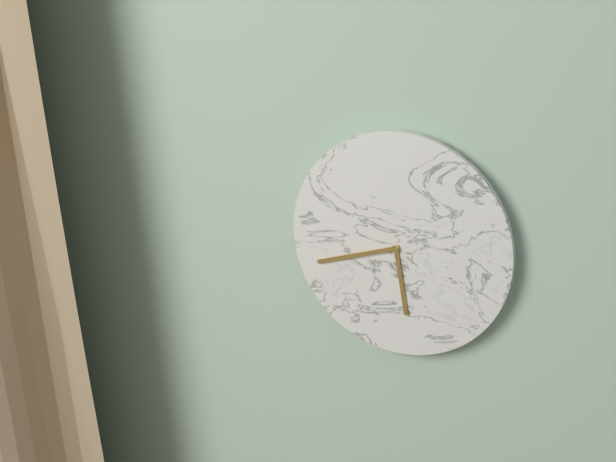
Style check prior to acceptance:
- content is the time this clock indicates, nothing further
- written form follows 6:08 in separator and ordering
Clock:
5:42
